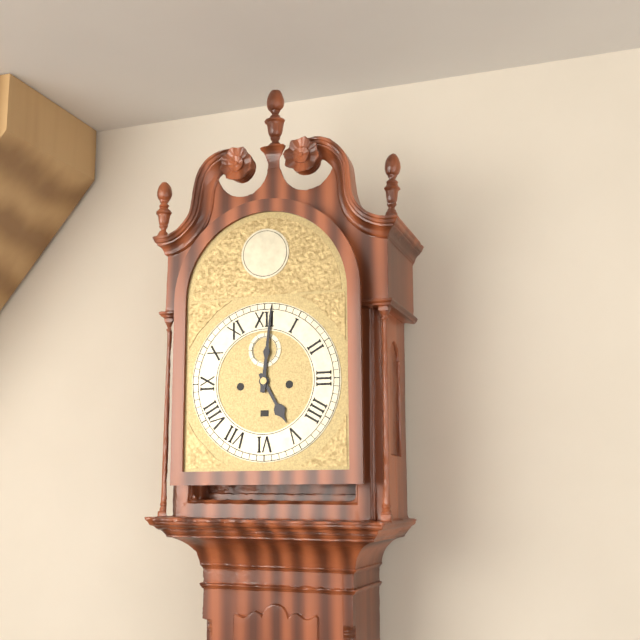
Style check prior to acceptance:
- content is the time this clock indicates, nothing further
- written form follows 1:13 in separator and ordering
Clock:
5:01
